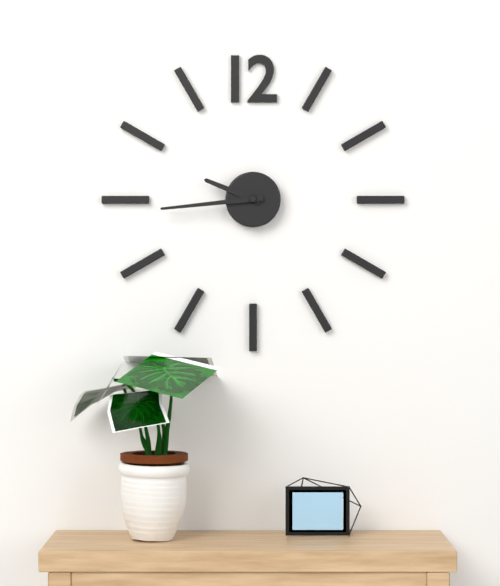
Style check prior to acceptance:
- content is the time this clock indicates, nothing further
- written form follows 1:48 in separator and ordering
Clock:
9:44
